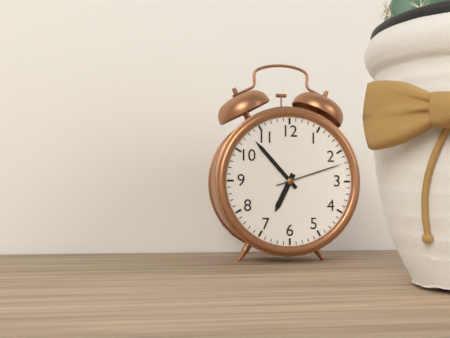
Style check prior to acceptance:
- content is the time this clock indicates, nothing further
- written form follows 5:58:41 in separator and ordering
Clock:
6:53:12
